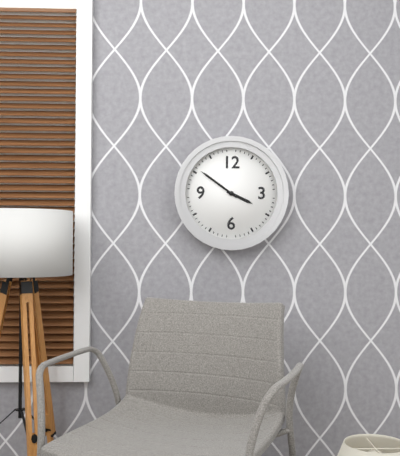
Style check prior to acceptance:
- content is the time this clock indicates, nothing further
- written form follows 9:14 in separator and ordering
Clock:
3:51
